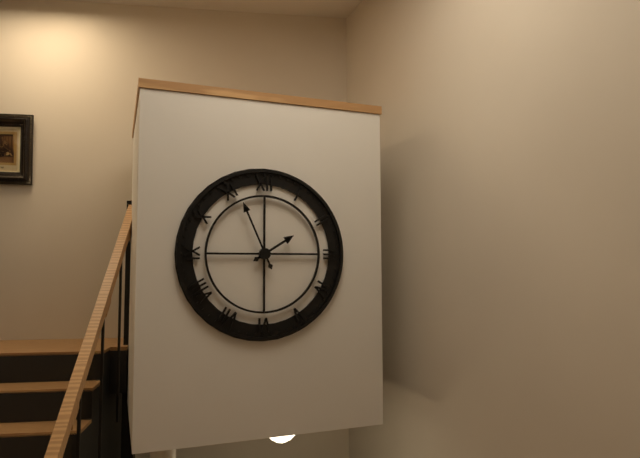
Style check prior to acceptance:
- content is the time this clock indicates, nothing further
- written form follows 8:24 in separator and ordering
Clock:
1:56
